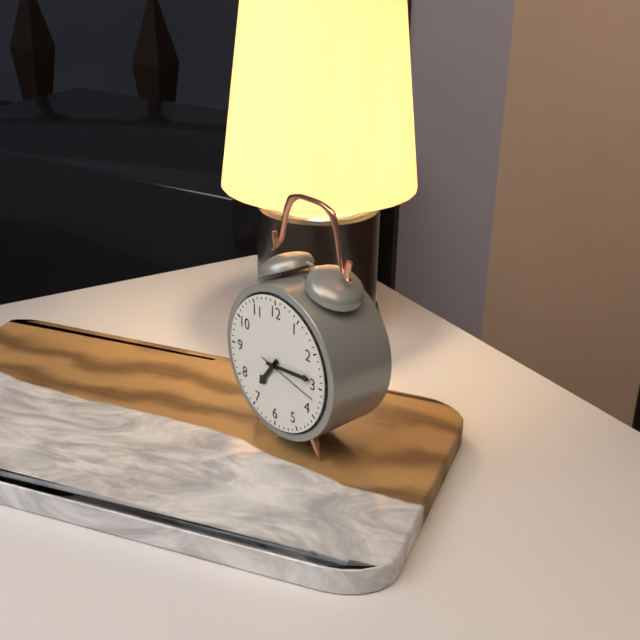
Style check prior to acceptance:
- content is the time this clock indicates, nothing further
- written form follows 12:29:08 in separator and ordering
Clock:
7:14:17
